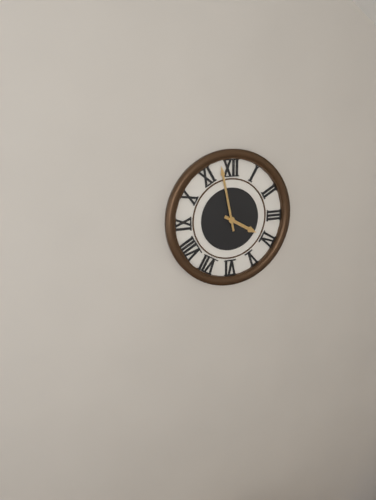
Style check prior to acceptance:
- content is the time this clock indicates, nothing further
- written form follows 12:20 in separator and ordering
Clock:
3:58
